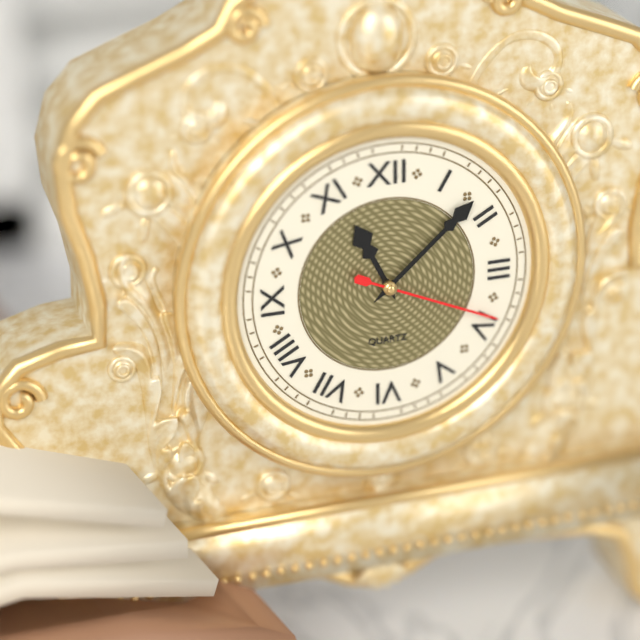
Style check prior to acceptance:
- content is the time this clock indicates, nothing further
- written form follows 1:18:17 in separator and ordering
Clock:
11:08:19
